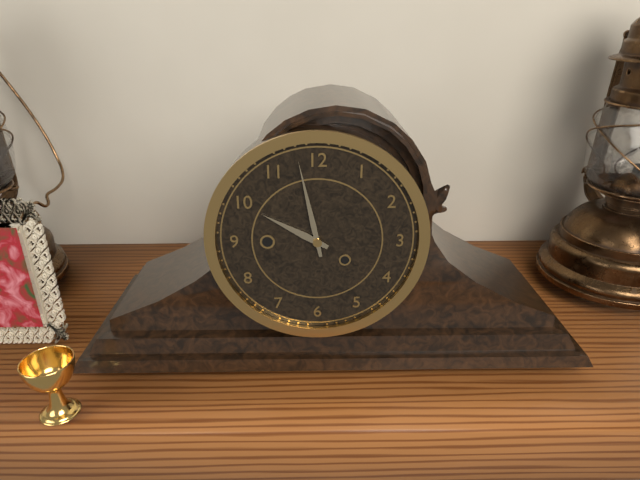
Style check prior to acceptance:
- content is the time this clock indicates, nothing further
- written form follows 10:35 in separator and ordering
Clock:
9:58
